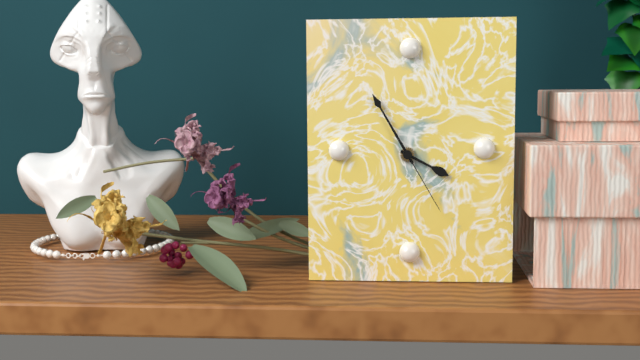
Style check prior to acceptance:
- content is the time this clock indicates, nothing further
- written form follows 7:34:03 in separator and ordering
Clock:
3:55:25
